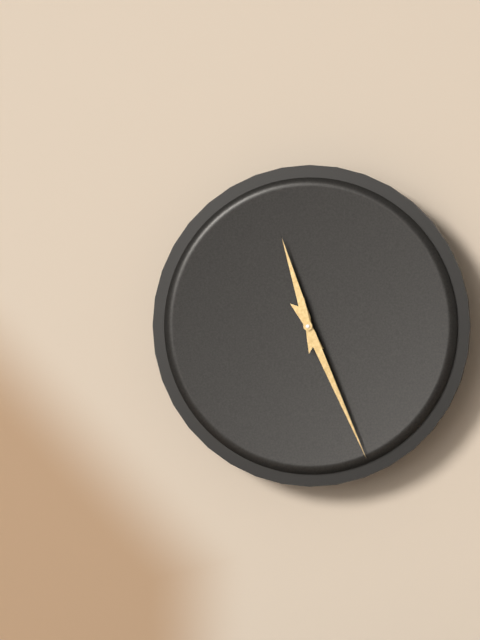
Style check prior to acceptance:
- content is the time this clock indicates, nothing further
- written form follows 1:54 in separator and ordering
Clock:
11:26
